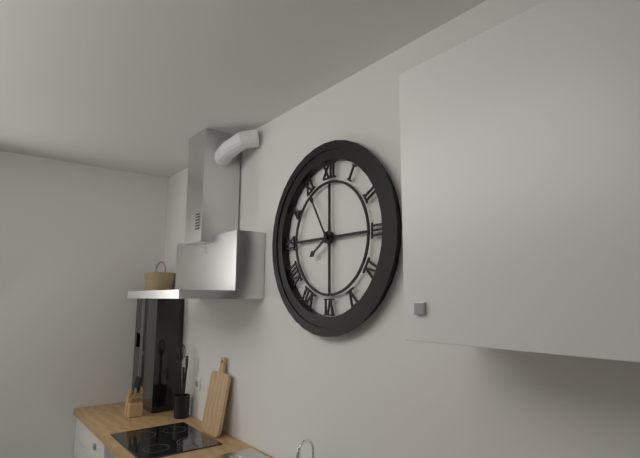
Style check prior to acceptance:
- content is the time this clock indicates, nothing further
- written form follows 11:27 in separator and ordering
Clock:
7:55
